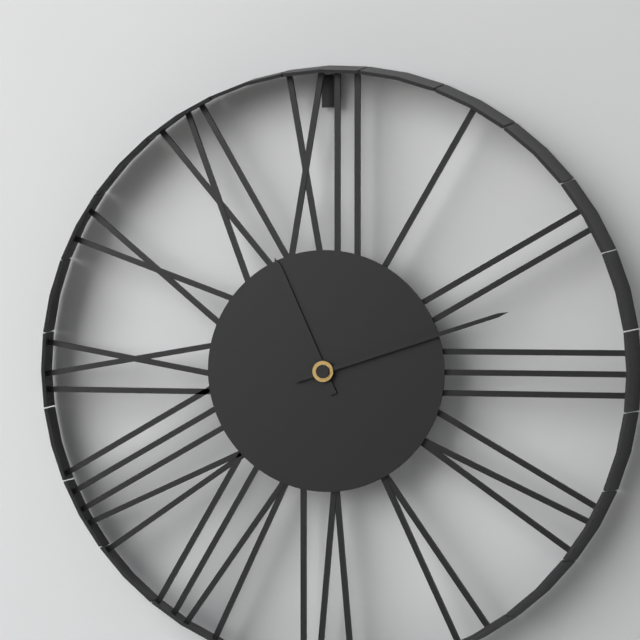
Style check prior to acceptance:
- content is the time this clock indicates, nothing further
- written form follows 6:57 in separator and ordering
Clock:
11:12
